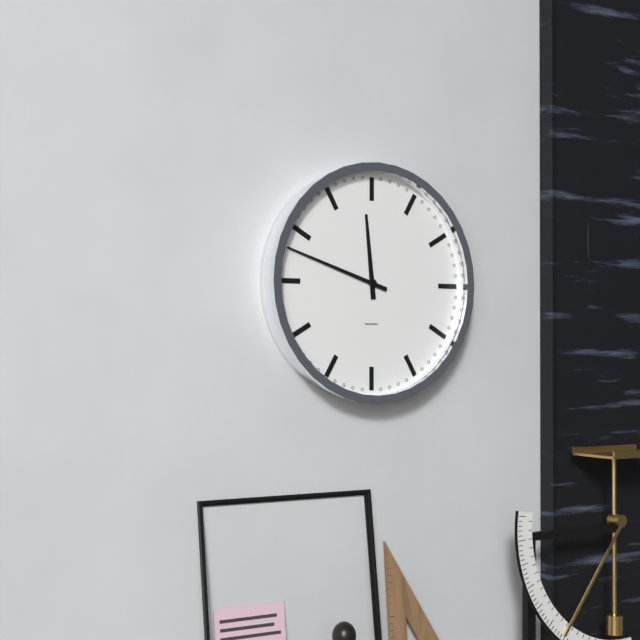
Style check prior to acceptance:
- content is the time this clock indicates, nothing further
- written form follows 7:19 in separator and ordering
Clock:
11:48
